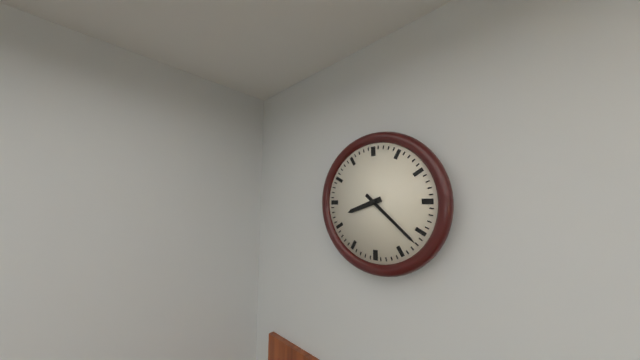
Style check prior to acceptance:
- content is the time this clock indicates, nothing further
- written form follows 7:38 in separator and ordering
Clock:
8:22
